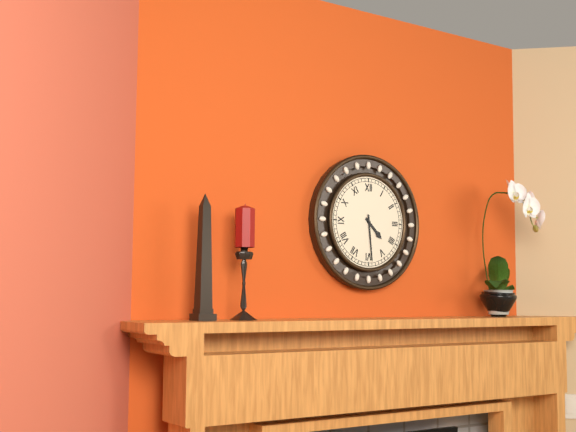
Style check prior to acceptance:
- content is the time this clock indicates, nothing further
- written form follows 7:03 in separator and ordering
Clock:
4:29
